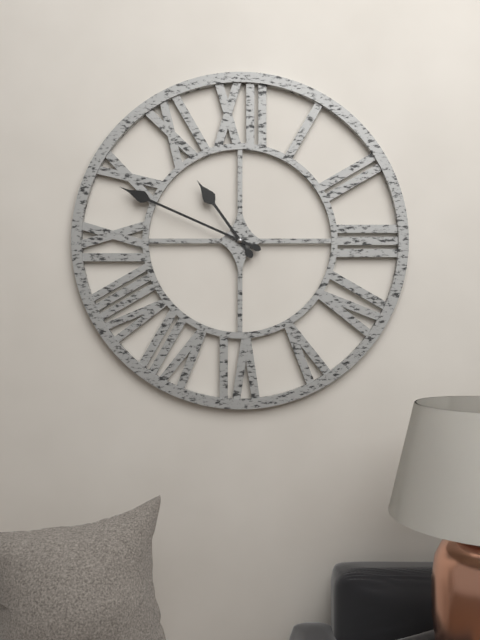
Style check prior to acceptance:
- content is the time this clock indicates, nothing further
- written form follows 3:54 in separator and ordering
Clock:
10:49
